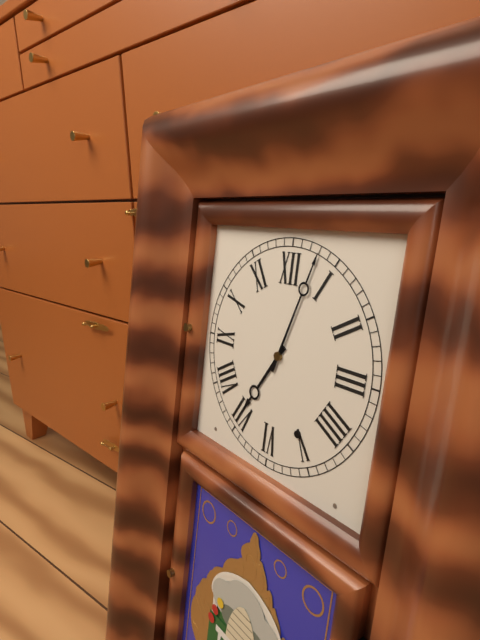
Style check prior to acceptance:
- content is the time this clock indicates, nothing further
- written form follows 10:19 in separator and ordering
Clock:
7:03
